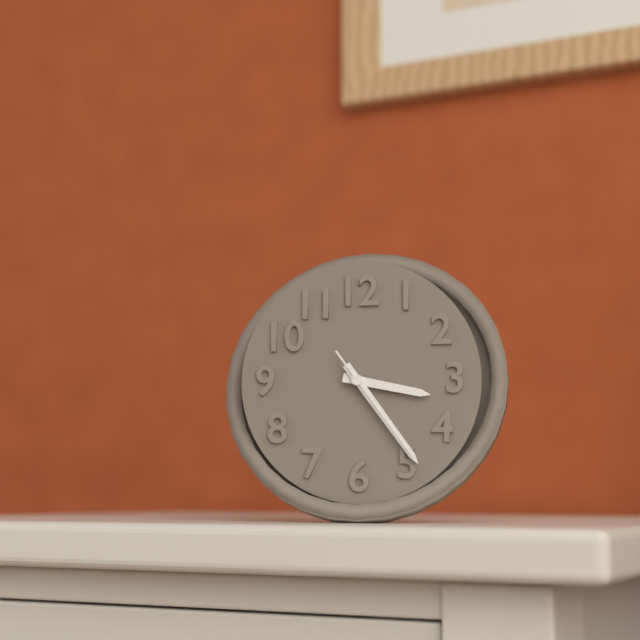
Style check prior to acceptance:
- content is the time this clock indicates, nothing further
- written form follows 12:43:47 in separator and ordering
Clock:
3:24:24
